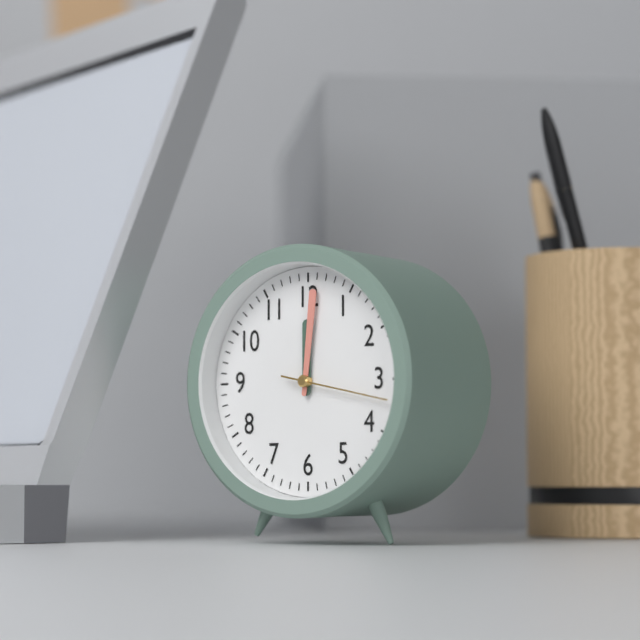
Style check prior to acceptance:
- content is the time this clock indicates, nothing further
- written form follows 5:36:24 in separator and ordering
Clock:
12:01:17
